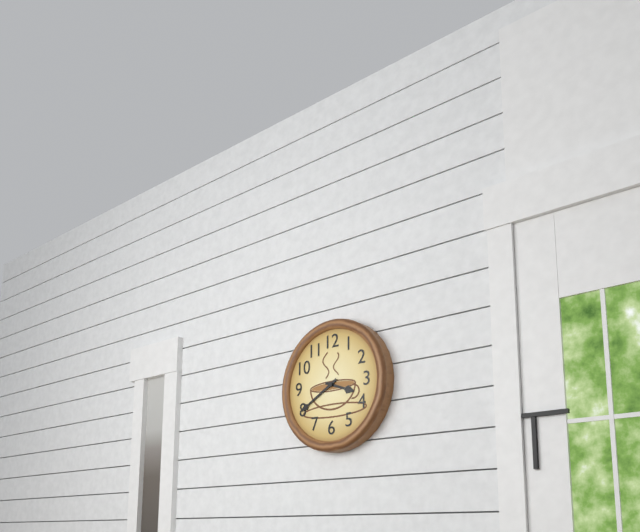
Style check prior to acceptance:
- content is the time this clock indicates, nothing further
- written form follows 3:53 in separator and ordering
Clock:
3:40
